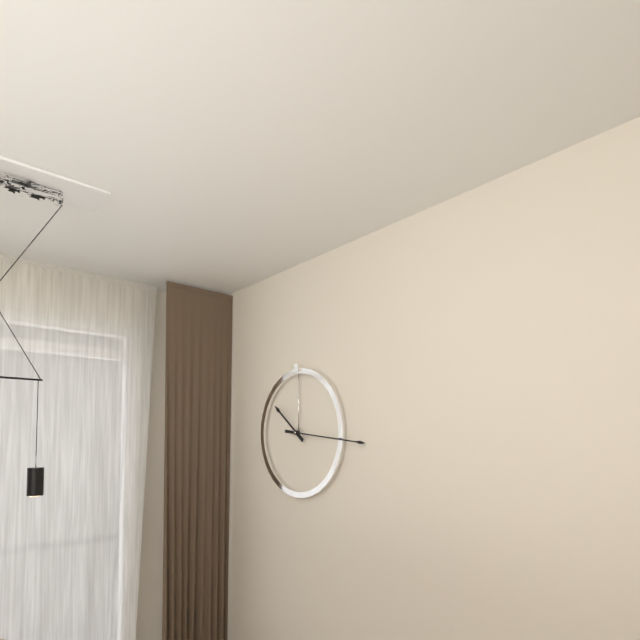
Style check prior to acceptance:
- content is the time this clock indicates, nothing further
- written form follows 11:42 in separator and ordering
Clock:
10:16
